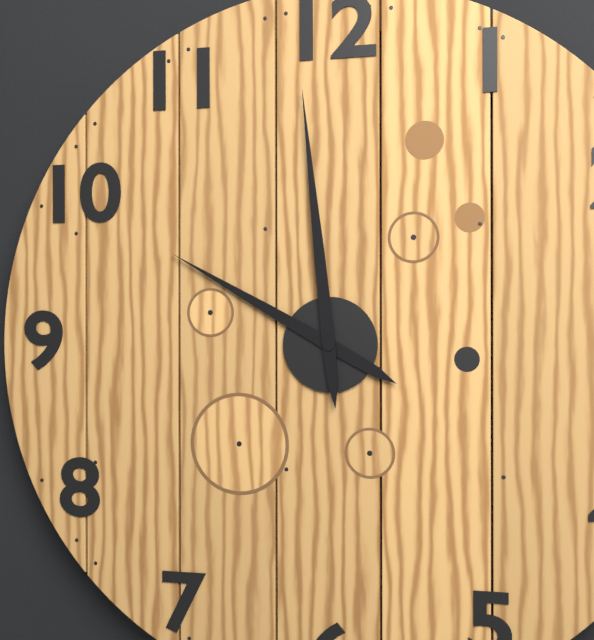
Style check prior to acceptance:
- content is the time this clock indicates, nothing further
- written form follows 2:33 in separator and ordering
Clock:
9:59
